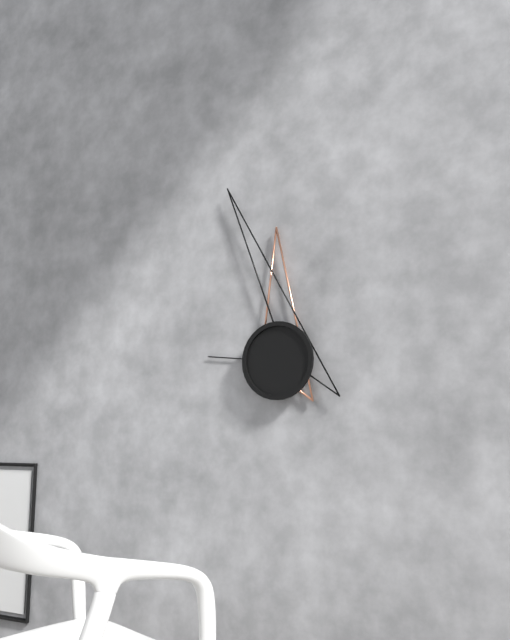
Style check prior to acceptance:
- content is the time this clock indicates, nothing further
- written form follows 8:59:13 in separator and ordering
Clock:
11:57:46
